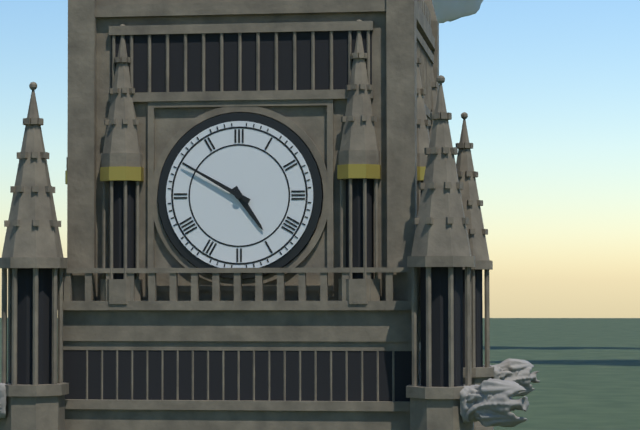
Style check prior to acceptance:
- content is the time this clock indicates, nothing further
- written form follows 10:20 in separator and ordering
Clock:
4:50
